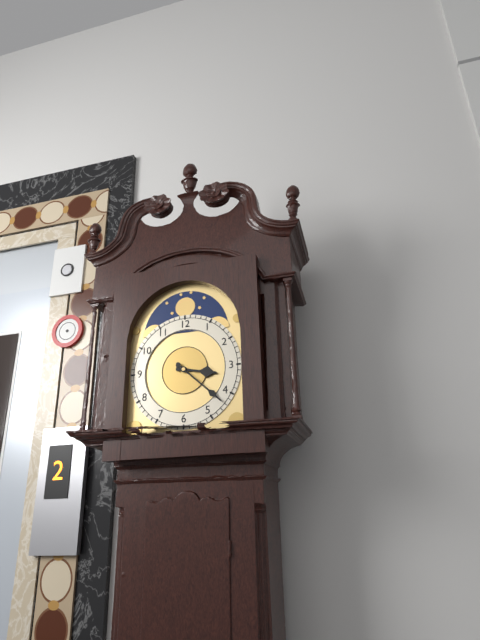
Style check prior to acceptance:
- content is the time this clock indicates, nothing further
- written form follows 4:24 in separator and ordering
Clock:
3:22
